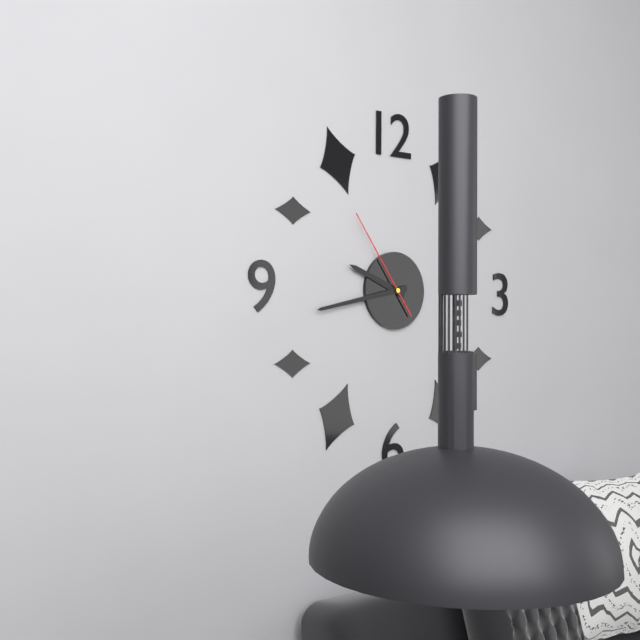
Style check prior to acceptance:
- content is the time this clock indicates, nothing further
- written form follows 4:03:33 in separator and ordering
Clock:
9:43:54
